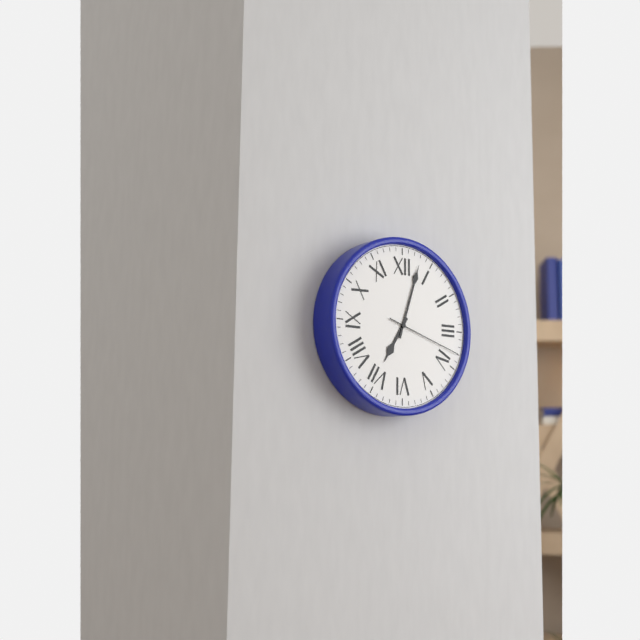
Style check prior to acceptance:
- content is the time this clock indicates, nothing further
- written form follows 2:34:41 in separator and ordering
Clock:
7:03:18
